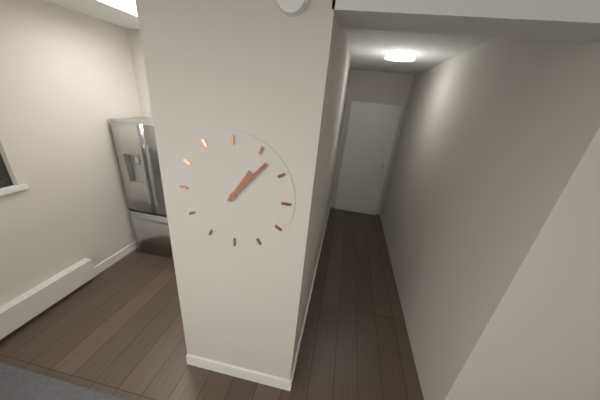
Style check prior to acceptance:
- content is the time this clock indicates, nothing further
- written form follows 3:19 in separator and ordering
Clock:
1:07
